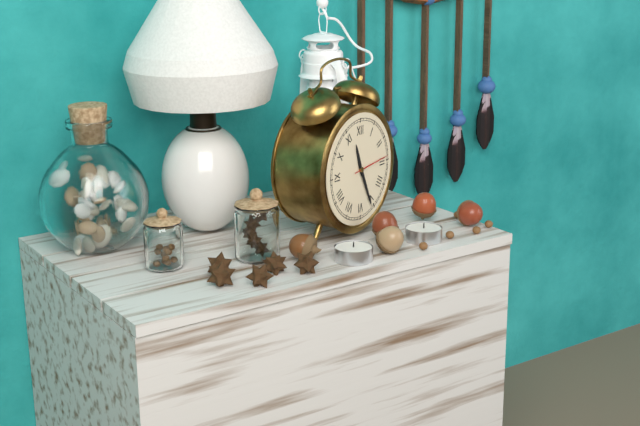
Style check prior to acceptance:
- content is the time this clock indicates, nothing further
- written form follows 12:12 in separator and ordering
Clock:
11:26
